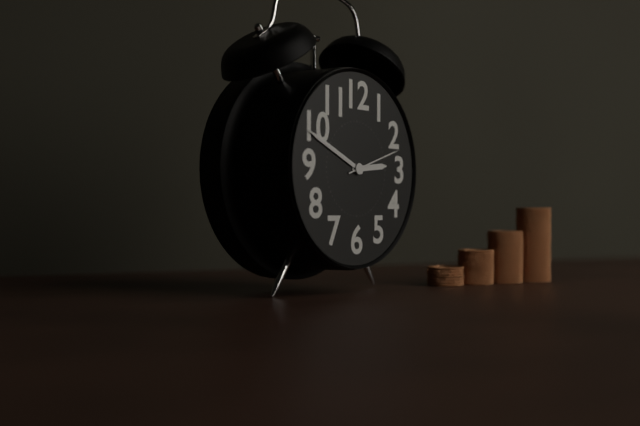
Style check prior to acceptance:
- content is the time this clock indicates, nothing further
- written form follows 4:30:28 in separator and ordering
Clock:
2:49:12
